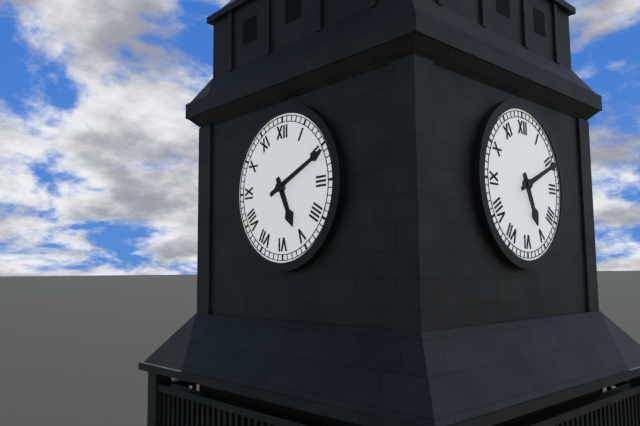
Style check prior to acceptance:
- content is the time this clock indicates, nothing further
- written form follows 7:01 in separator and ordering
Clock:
5:11
